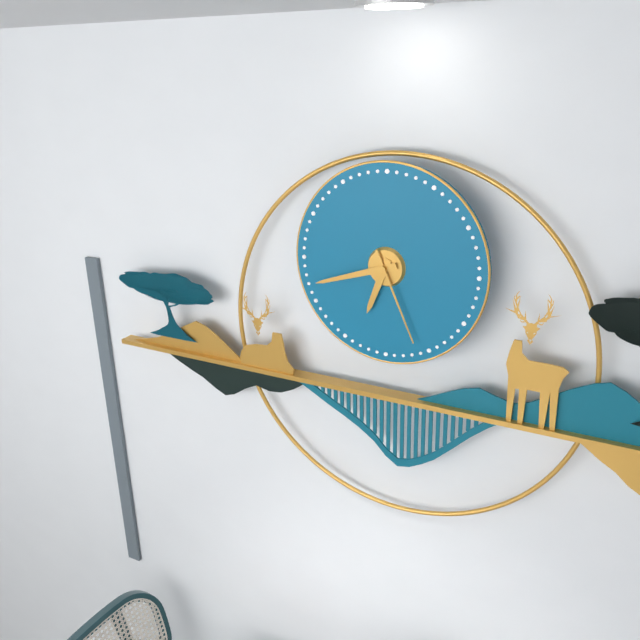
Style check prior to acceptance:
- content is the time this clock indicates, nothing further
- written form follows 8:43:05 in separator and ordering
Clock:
6:42:26
